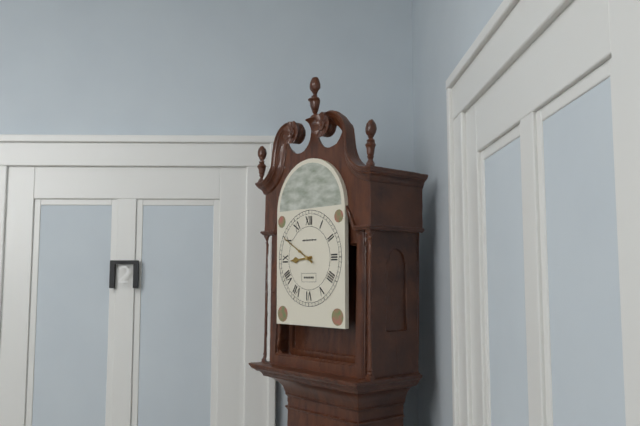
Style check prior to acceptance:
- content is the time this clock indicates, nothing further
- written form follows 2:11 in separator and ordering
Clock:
8:50
